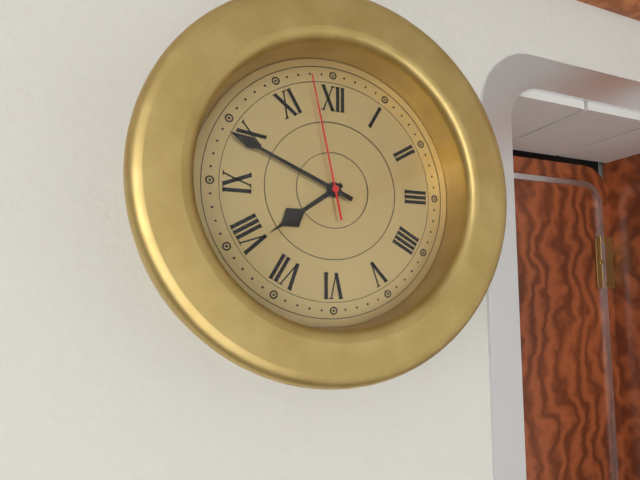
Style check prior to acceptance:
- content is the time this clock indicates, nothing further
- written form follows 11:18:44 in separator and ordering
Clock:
7:49:58
